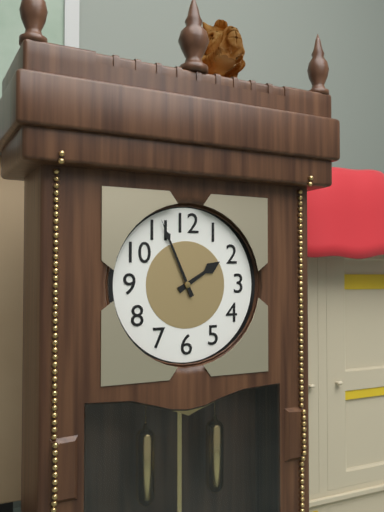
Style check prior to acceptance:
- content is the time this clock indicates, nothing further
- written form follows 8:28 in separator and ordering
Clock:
1:56
